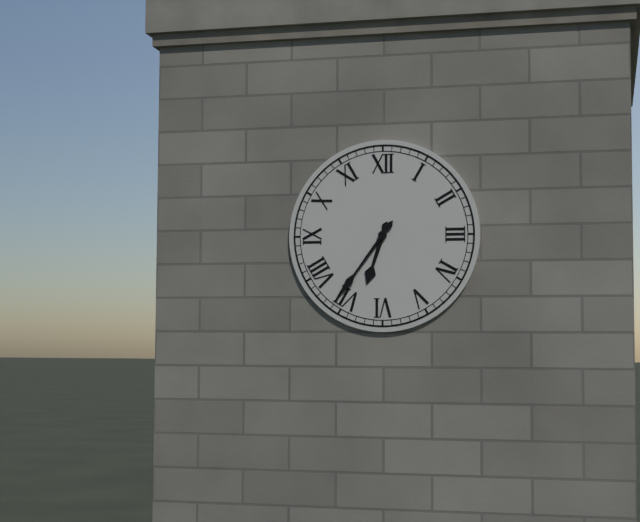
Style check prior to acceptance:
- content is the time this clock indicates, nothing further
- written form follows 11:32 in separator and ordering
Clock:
6:36
